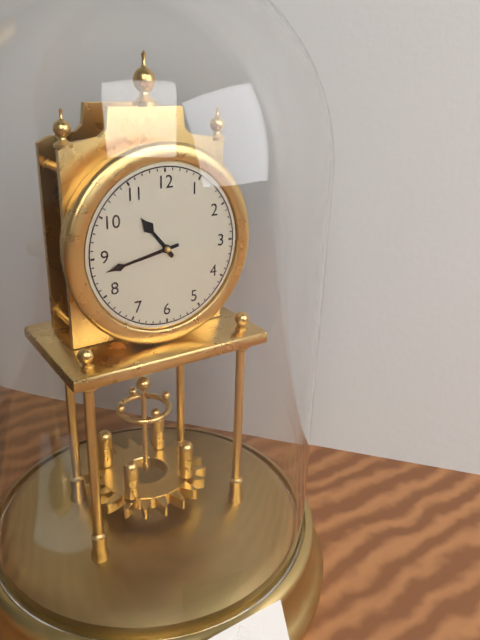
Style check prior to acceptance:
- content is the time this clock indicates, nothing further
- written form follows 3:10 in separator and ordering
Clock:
10:43
